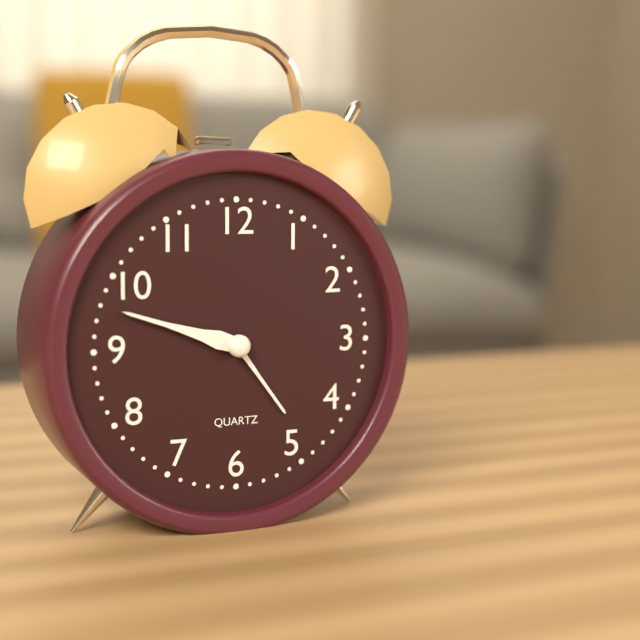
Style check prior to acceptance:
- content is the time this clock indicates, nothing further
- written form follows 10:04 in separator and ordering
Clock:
4:48
